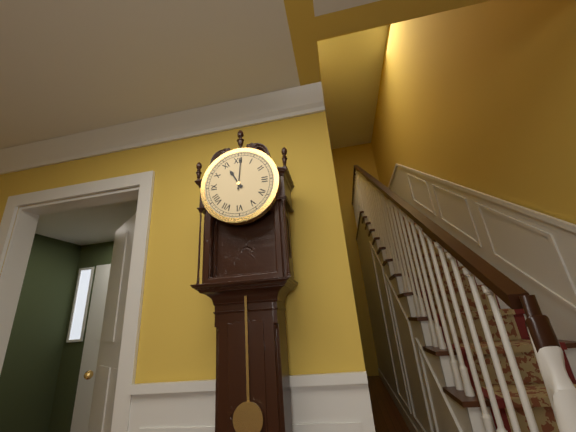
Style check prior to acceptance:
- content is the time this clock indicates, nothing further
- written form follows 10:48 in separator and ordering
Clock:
11:01
